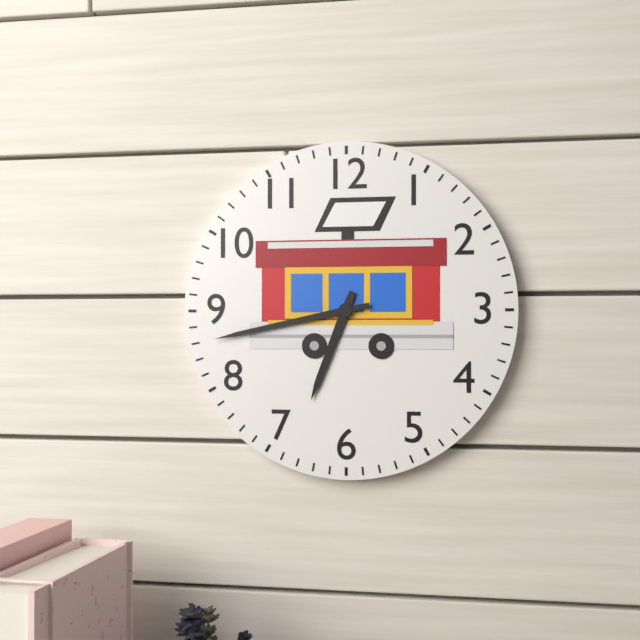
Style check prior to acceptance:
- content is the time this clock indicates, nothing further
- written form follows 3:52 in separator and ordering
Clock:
6:43
